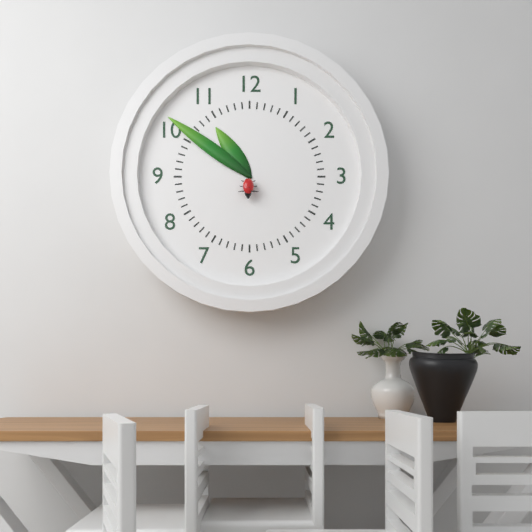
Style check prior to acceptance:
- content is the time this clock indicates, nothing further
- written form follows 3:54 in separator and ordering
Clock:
10:51
